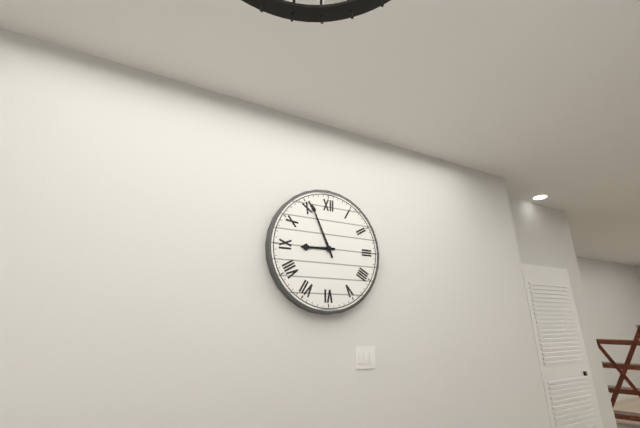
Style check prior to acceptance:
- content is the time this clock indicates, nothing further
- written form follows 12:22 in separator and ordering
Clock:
8:56
